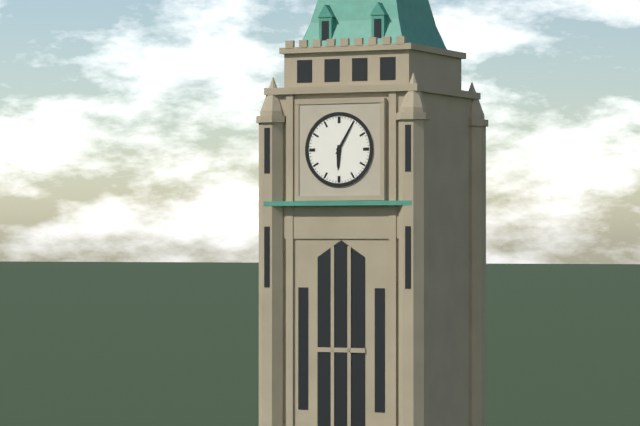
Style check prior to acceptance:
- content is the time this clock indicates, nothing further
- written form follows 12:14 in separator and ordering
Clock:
6:05
